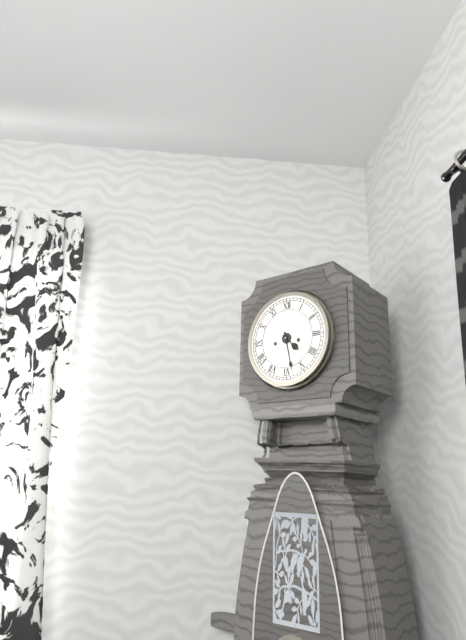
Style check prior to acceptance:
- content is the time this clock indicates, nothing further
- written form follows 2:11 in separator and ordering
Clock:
4:28
